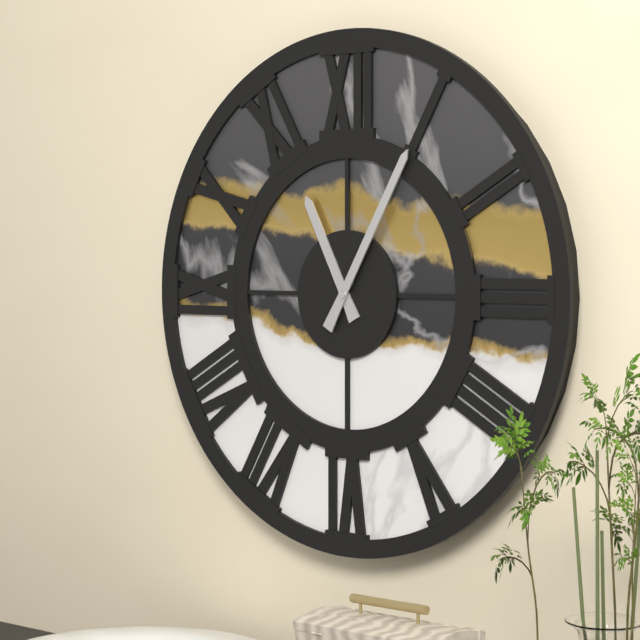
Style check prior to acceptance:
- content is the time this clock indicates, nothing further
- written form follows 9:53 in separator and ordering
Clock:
11:05
